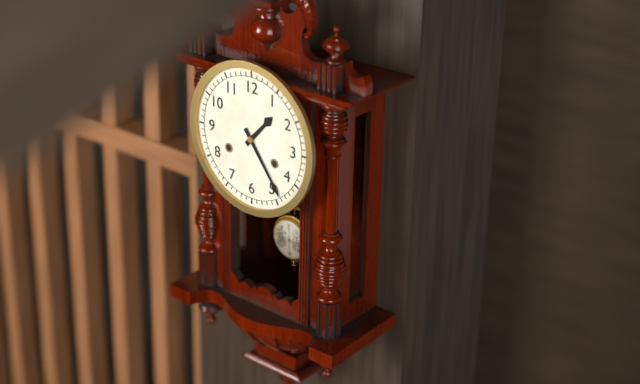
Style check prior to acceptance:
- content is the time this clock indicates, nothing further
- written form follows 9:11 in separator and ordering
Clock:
1:24
